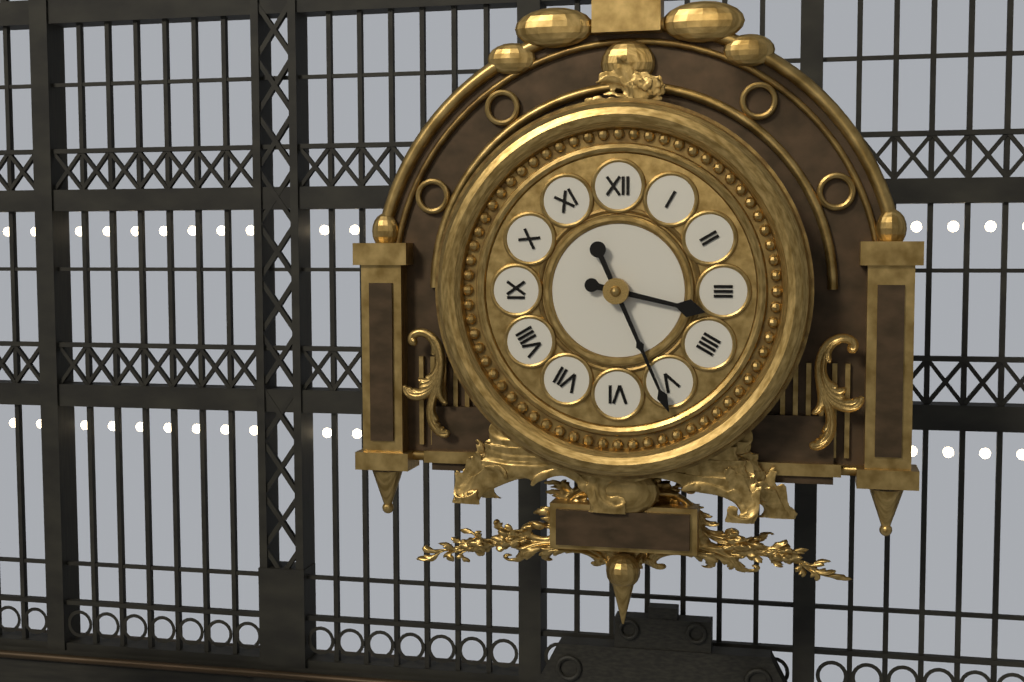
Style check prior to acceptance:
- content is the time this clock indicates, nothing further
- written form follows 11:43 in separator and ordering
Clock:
3:26
